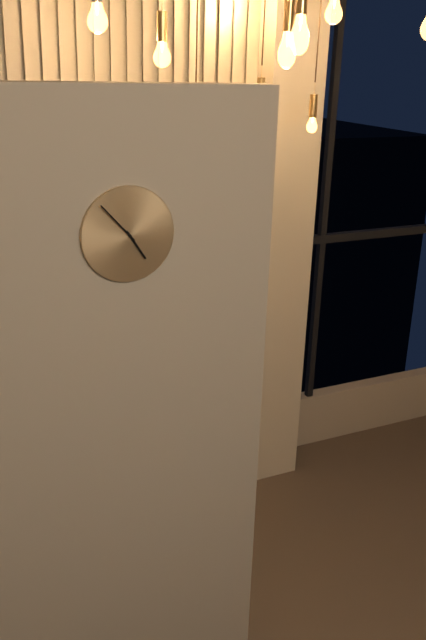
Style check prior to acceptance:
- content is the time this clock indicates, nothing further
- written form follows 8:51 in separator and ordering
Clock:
4:53
